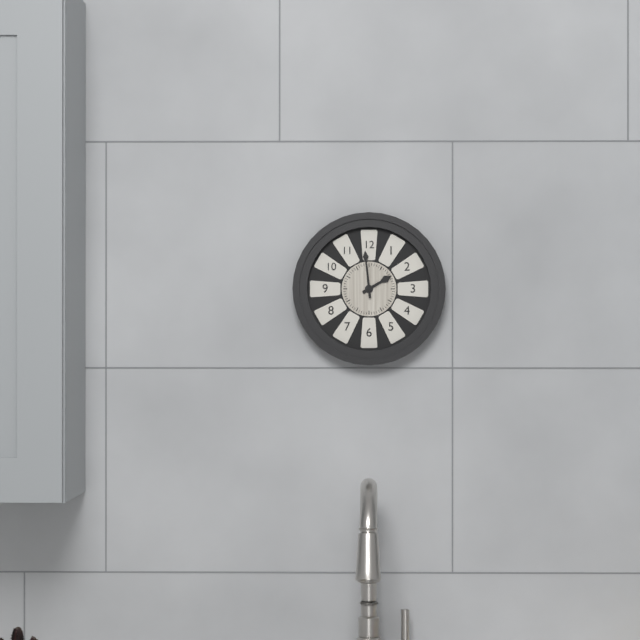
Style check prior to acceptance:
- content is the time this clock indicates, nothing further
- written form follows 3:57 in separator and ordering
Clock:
1:59
